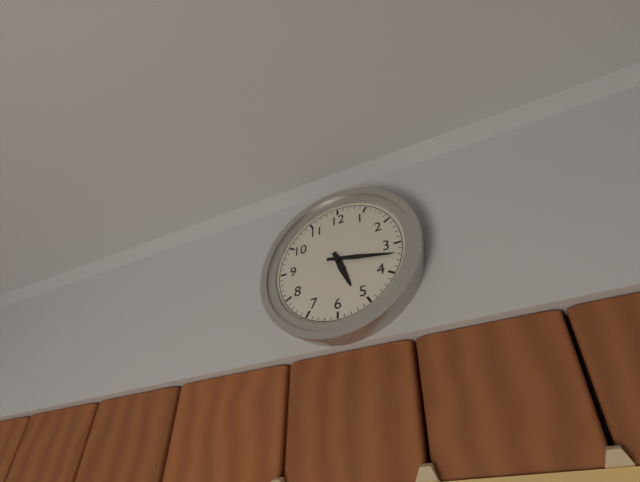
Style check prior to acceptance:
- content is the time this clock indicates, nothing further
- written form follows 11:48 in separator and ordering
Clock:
5:17
